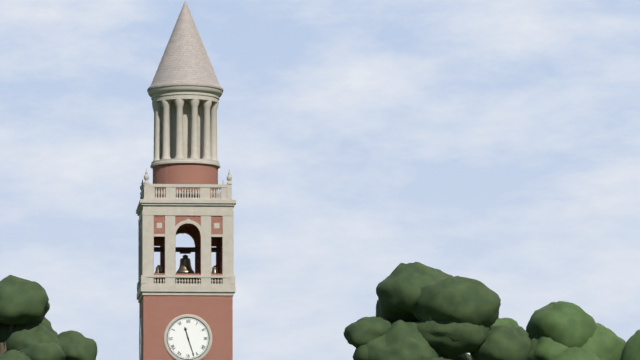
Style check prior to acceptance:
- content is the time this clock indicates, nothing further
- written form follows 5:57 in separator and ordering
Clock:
11:27
